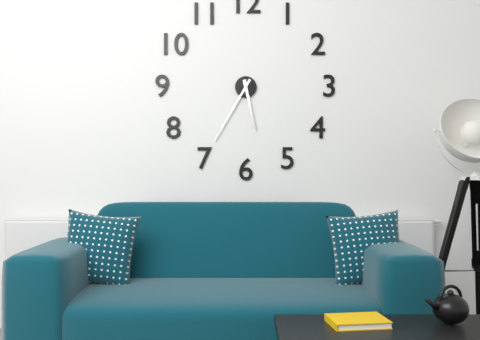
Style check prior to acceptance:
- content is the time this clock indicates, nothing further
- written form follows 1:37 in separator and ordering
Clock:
5:35
